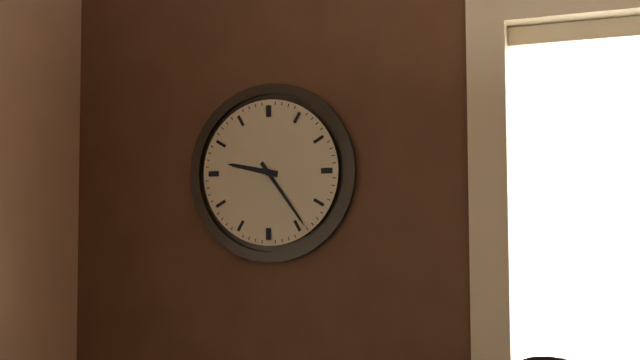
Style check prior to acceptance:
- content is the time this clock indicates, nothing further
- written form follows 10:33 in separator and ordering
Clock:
9:24
